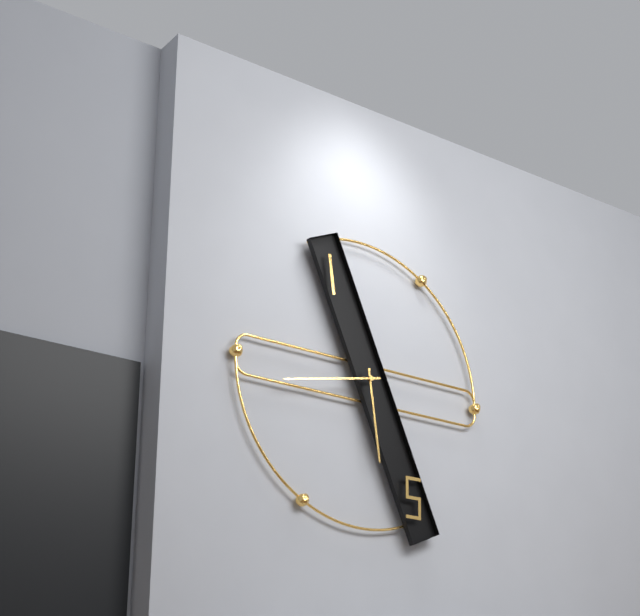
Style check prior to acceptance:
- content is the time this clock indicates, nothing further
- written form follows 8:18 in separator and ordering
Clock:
5:43
